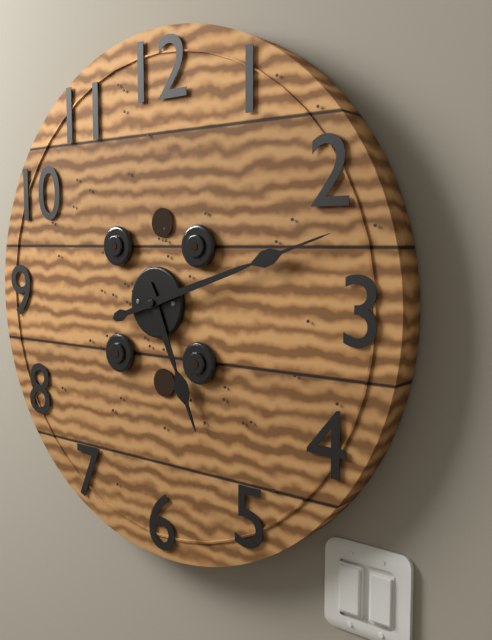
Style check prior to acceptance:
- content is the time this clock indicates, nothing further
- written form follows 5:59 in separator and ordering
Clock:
5:12
